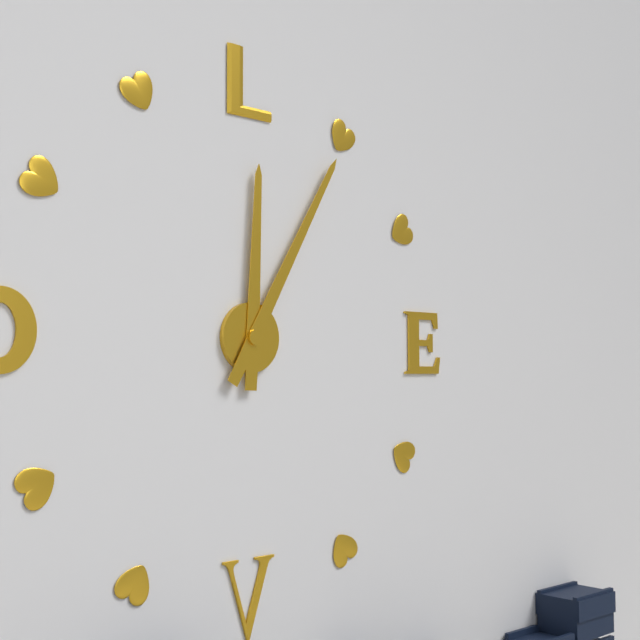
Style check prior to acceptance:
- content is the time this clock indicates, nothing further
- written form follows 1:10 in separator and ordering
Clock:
12:05
